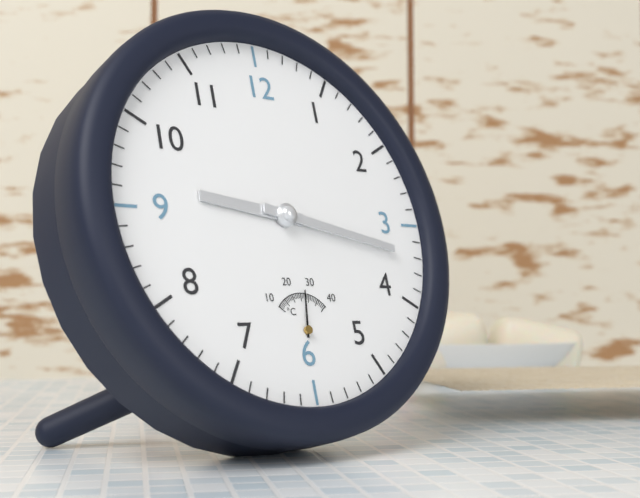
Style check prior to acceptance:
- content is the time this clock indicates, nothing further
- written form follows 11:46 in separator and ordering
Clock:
9:17
